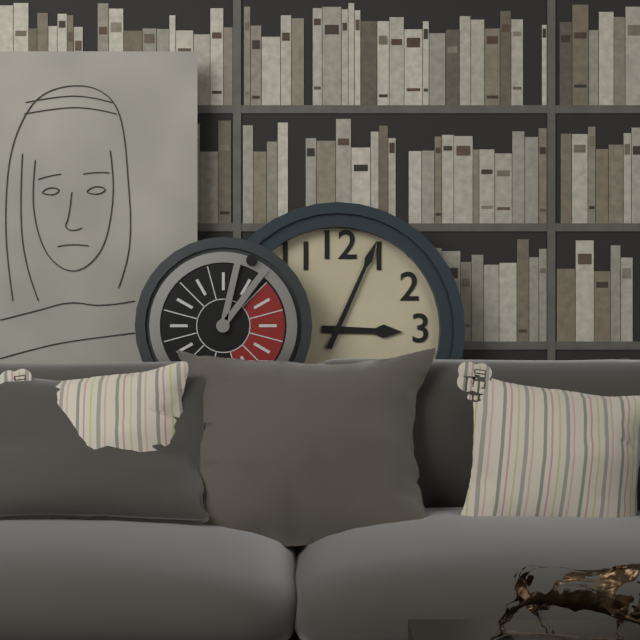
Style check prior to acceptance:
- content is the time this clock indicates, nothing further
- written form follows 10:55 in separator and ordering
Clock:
3:04
